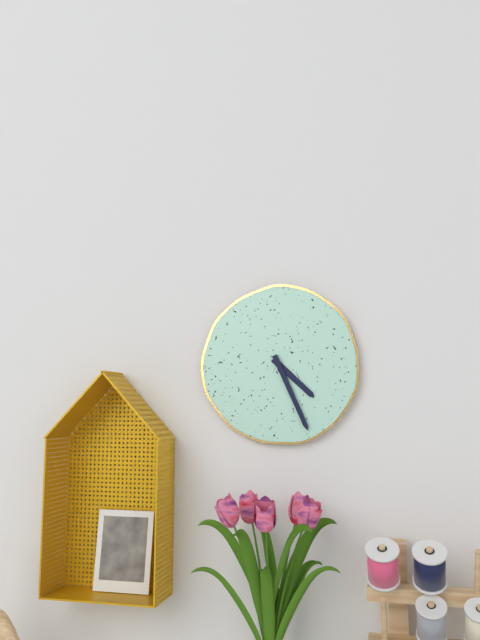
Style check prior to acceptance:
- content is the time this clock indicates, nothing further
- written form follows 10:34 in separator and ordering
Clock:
4:26
